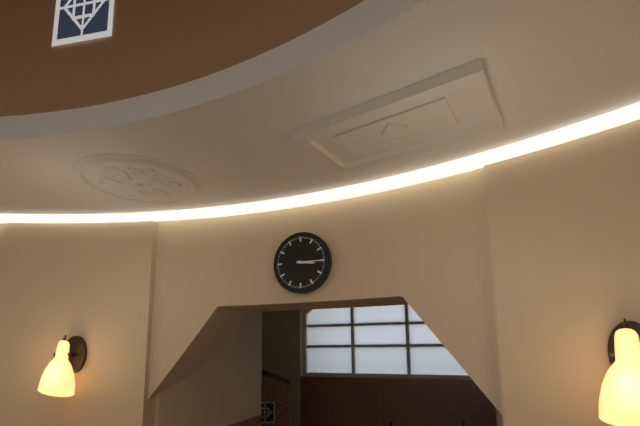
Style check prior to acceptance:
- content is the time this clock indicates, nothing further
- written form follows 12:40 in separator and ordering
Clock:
3:15
